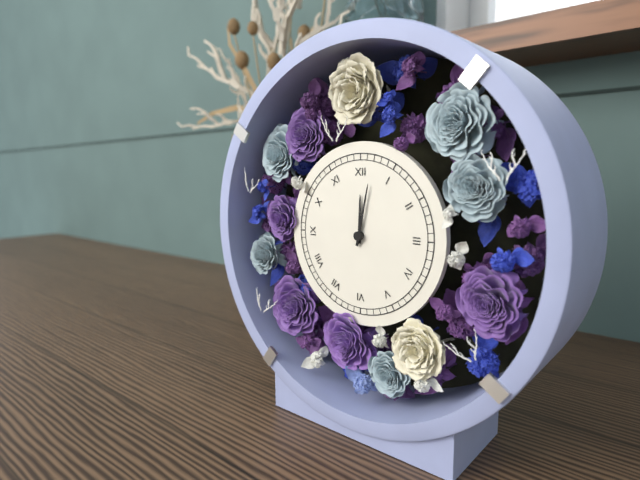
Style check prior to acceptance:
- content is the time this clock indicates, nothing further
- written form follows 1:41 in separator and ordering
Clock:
12:02
